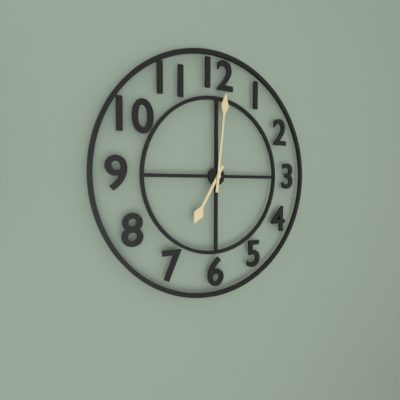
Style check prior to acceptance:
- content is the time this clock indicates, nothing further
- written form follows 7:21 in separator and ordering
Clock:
7:01
